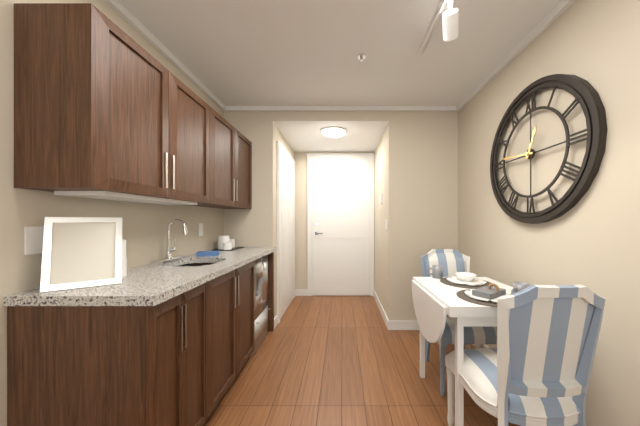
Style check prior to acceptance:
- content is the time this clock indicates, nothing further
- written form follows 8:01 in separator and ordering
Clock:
12:46
